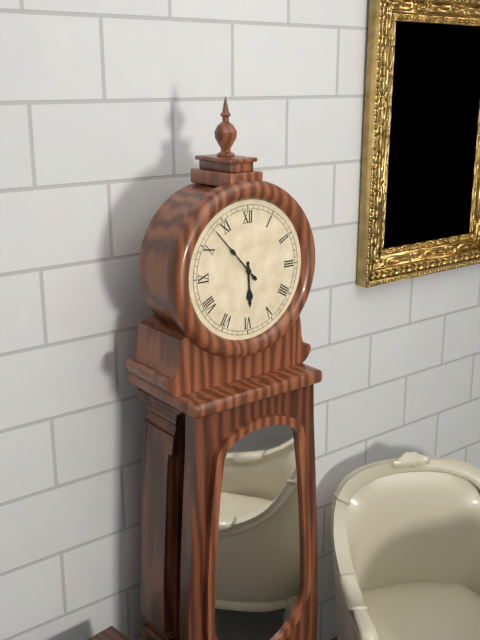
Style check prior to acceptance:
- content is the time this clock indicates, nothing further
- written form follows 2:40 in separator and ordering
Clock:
5:53
